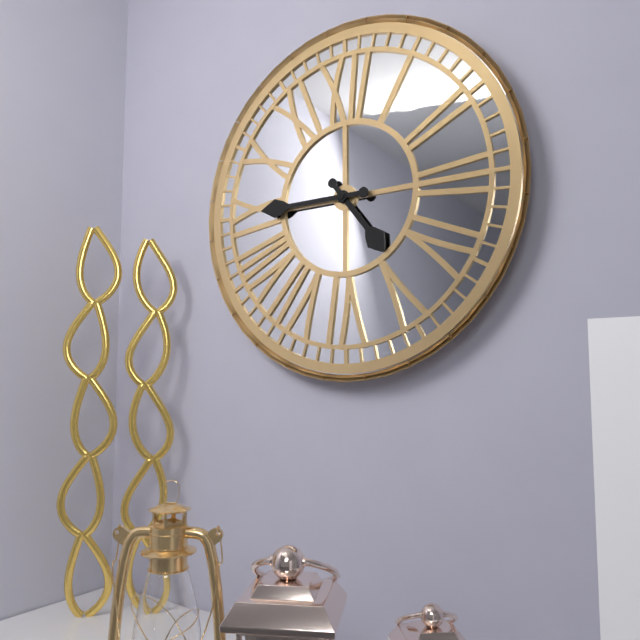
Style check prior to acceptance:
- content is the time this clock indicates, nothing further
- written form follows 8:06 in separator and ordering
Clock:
4:45
